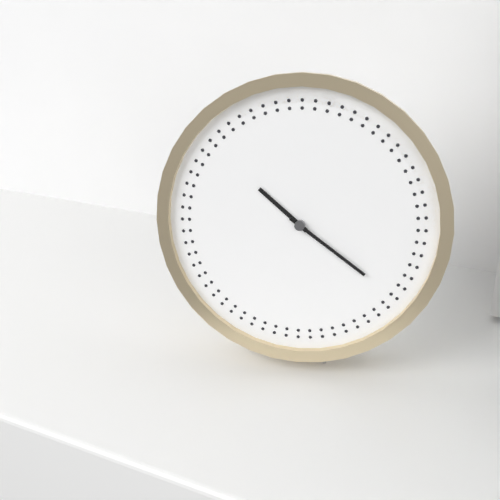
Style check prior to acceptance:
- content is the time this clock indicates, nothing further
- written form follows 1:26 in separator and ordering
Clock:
10:21
